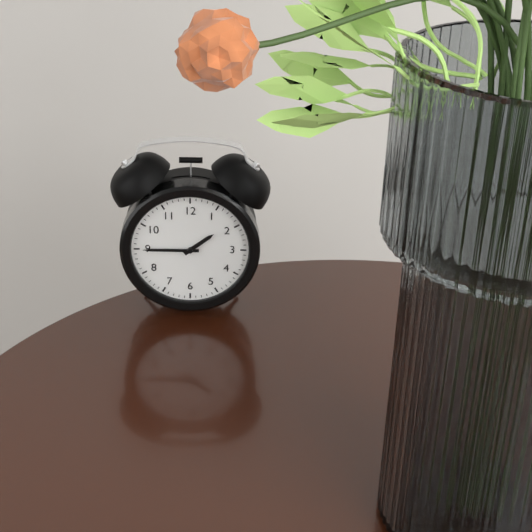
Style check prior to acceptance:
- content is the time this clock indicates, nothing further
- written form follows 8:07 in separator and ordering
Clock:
1:45
